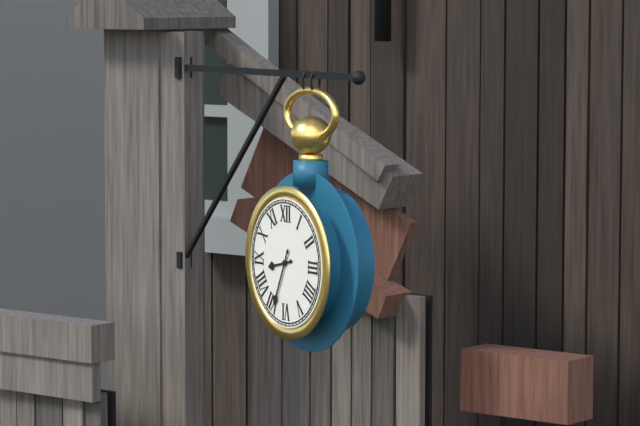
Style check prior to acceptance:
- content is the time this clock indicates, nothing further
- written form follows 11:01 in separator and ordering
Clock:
8:34
